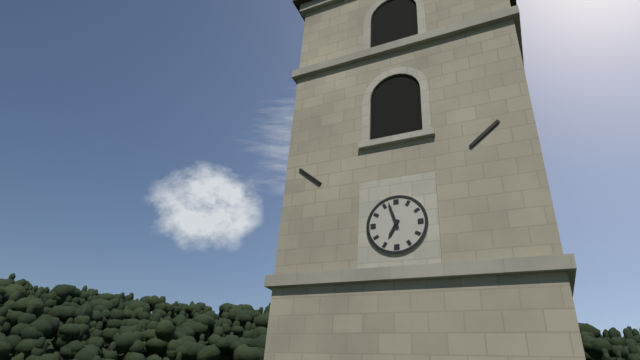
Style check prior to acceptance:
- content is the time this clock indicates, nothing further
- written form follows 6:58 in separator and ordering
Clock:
6:57
